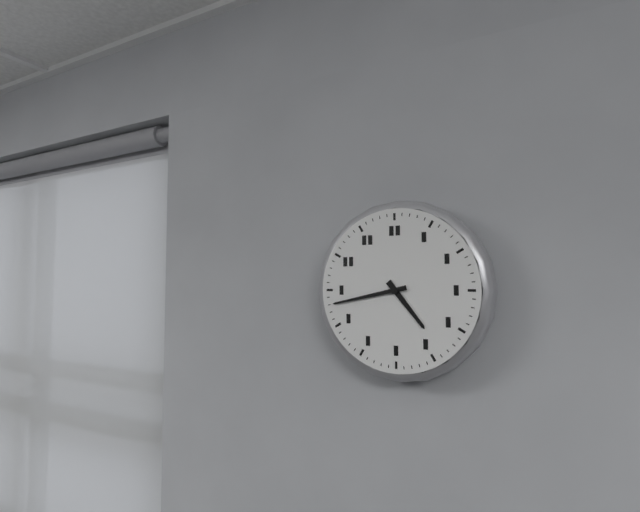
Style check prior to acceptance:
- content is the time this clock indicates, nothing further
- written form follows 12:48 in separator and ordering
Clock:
4:43
